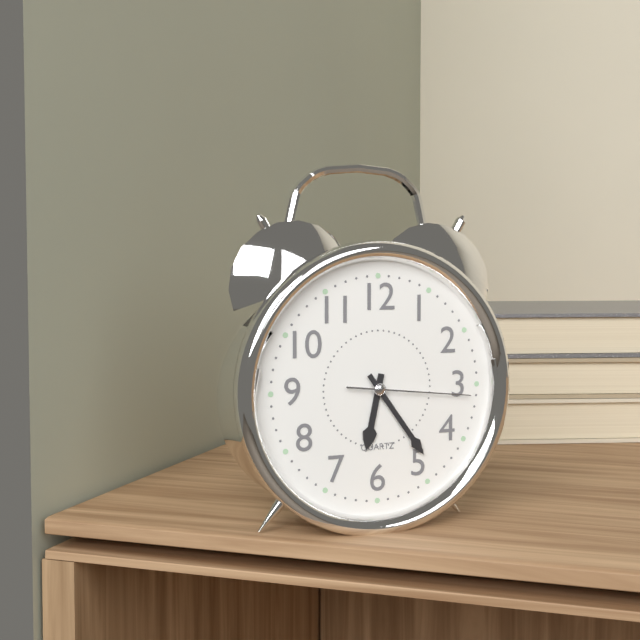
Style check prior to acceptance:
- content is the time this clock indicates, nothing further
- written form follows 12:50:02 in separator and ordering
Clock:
6:24:16
